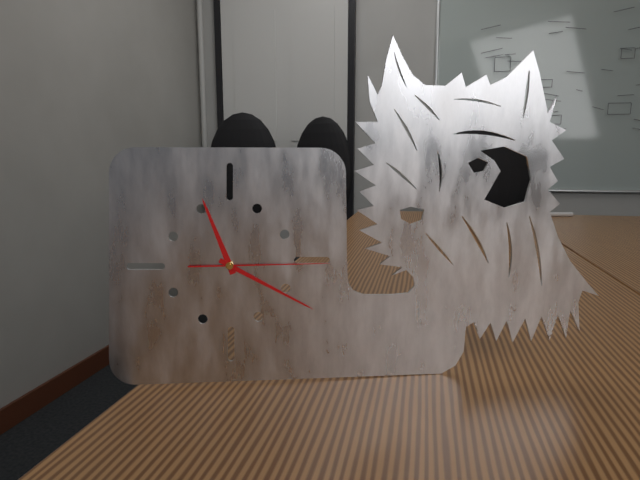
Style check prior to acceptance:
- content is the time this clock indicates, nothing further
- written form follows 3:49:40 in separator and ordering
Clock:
11:20:15
